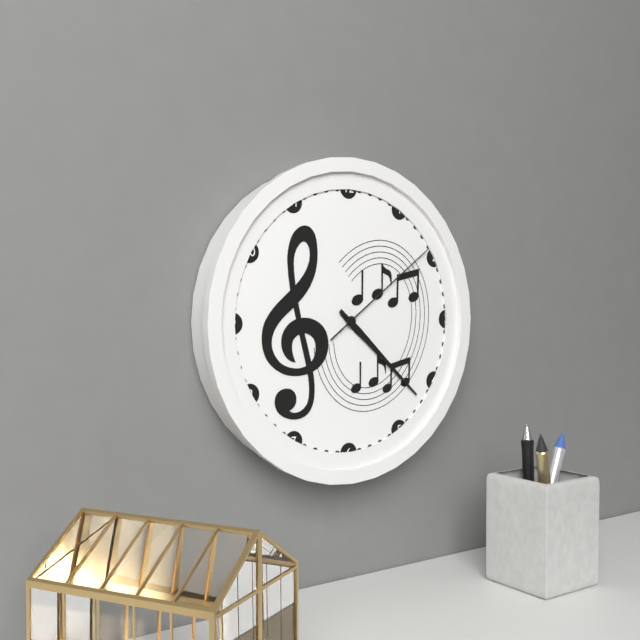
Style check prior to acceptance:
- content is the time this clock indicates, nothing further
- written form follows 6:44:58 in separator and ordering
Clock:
4:22:09
